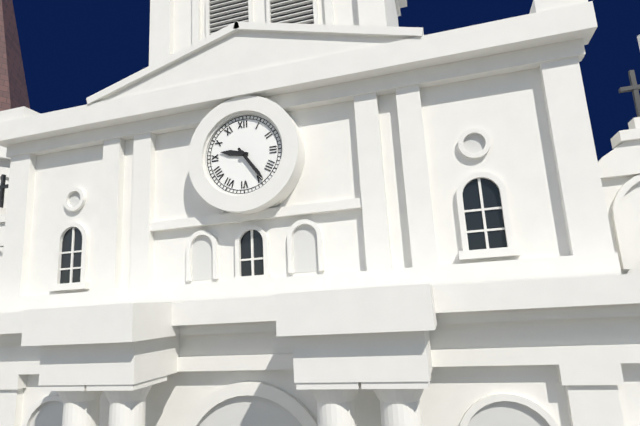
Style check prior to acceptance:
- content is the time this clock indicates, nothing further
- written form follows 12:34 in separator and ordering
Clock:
9:24
